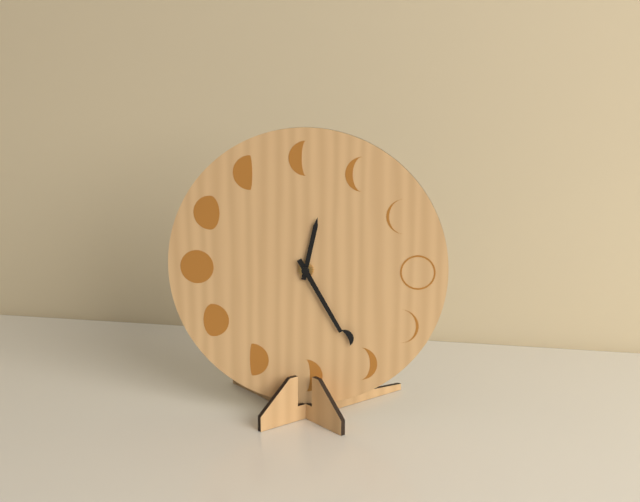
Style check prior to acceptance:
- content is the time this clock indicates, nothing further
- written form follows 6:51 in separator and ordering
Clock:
12:25
